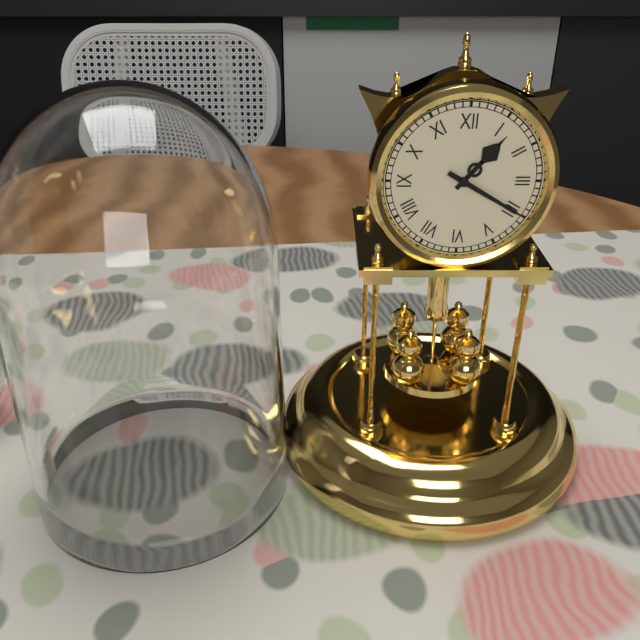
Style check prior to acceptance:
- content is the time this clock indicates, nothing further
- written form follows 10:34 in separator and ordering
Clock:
1:20
